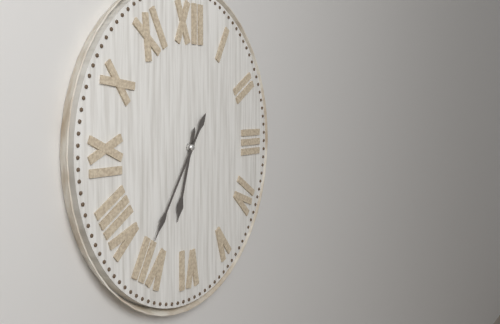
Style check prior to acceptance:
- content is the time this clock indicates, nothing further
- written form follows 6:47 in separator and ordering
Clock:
6:36
